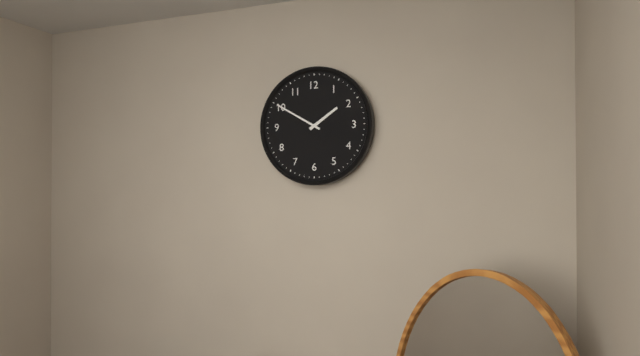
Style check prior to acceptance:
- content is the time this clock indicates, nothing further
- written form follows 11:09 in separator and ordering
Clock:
1:50
